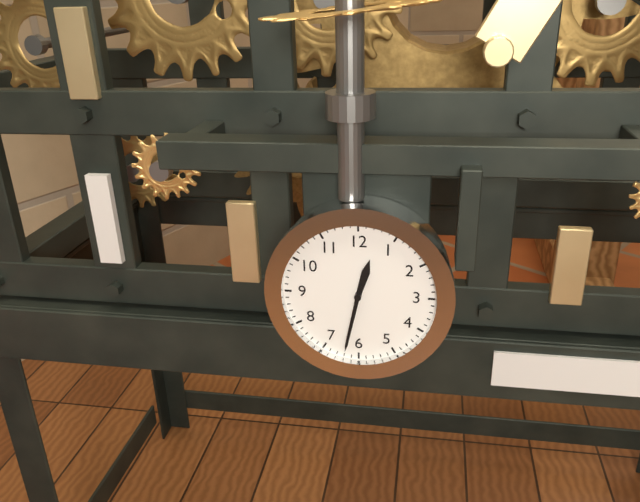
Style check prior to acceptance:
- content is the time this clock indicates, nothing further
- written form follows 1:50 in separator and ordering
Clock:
12:32
